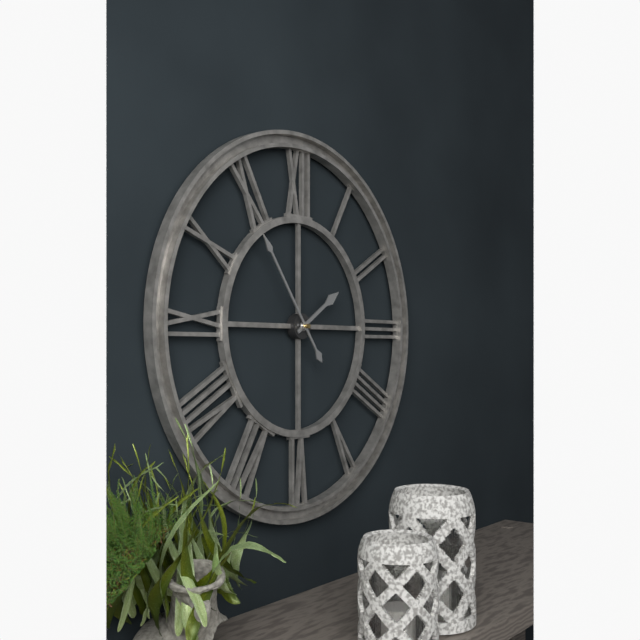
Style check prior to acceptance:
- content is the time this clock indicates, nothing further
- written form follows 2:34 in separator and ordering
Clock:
1:54
